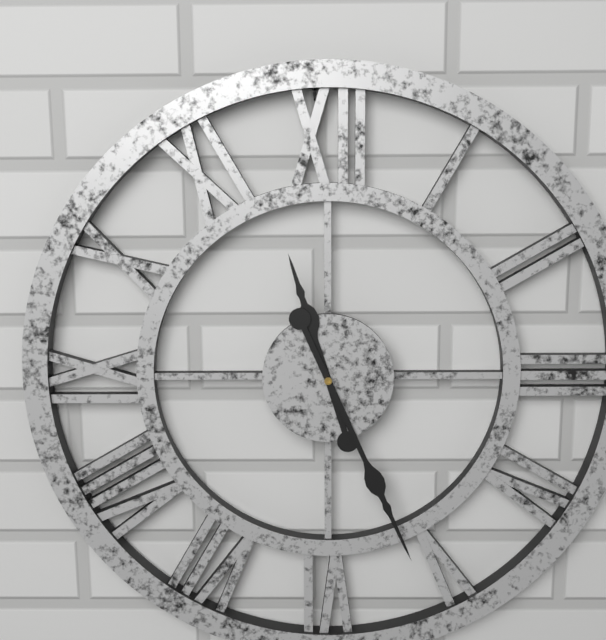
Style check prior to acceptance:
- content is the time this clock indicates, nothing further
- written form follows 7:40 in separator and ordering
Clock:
11:26
